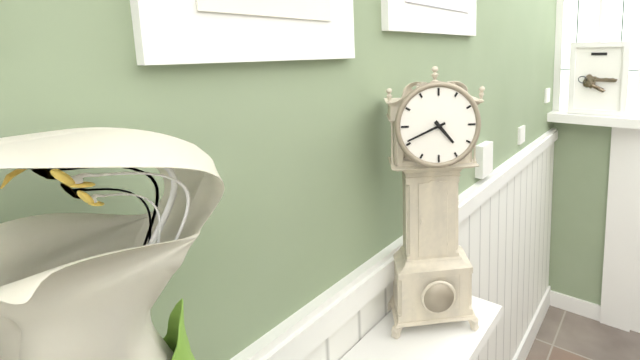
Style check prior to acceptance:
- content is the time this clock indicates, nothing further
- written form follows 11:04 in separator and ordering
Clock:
4:41
